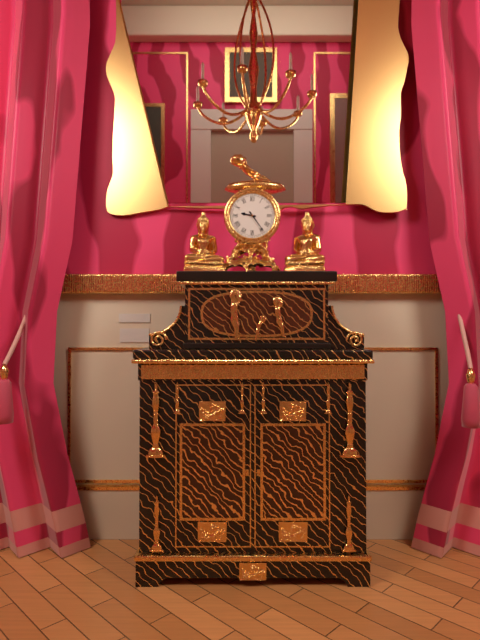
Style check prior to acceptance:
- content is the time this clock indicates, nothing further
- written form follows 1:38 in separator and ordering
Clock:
9:24
